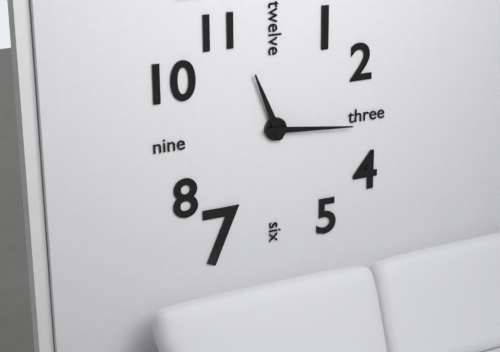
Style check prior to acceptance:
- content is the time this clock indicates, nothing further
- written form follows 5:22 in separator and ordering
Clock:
11:16
